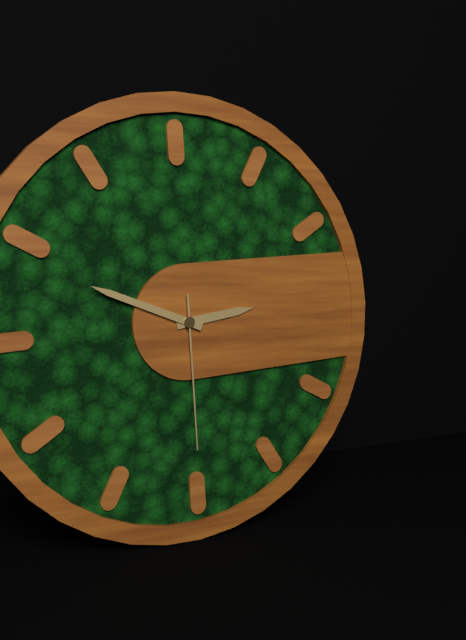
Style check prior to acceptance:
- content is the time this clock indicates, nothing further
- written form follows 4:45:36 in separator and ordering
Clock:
2:49:30
